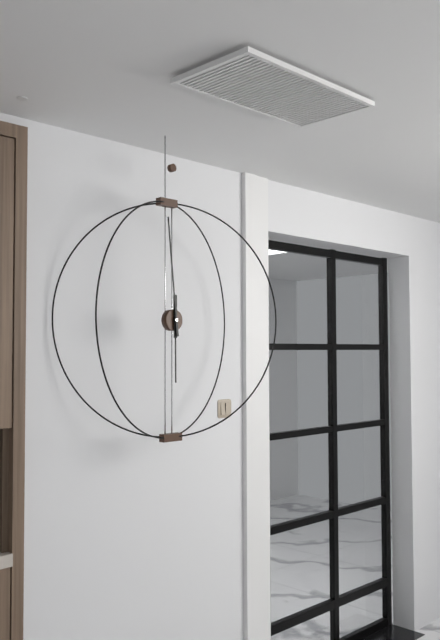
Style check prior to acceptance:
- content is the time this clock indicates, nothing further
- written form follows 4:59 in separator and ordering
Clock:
5:59
